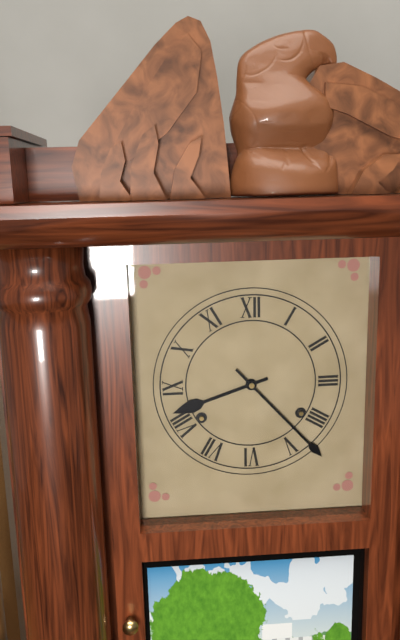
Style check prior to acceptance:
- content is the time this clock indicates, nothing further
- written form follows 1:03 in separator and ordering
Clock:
8:23
